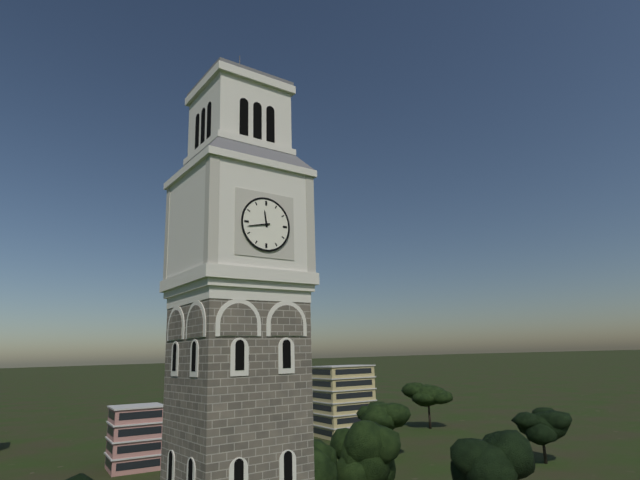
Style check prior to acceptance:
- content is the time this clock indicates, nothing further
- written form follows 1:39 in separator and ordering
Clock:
11:43
